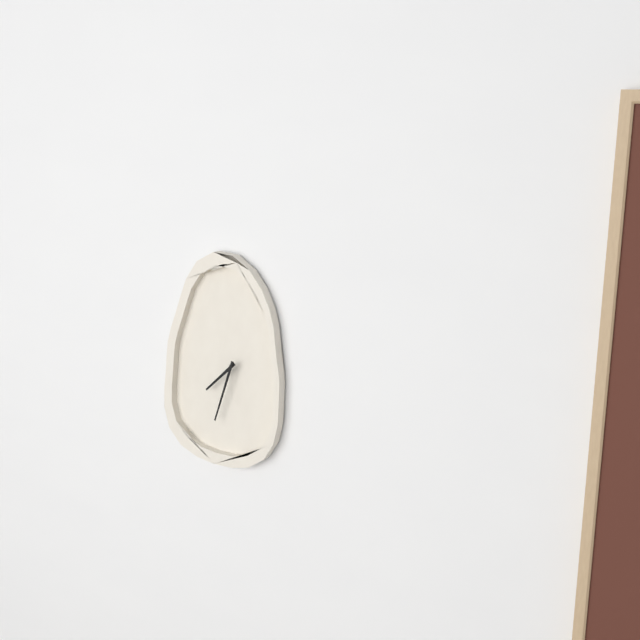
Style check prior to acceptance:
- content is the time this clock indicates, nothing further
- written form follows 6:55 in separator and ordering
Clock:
7:33
